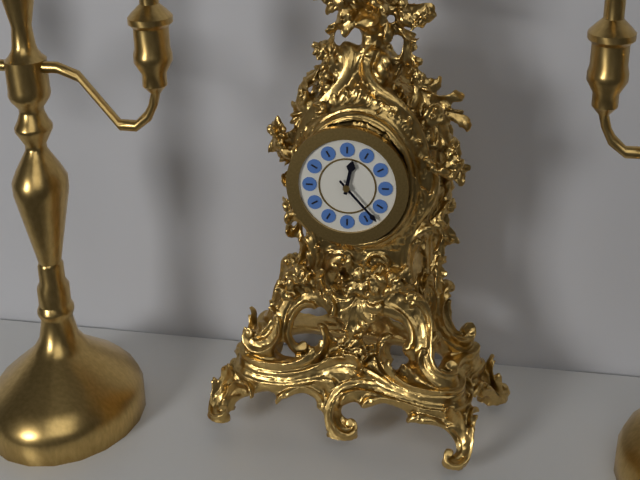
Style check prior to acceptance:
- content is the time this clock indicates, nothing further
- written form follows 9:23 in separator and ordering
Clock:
12:23
